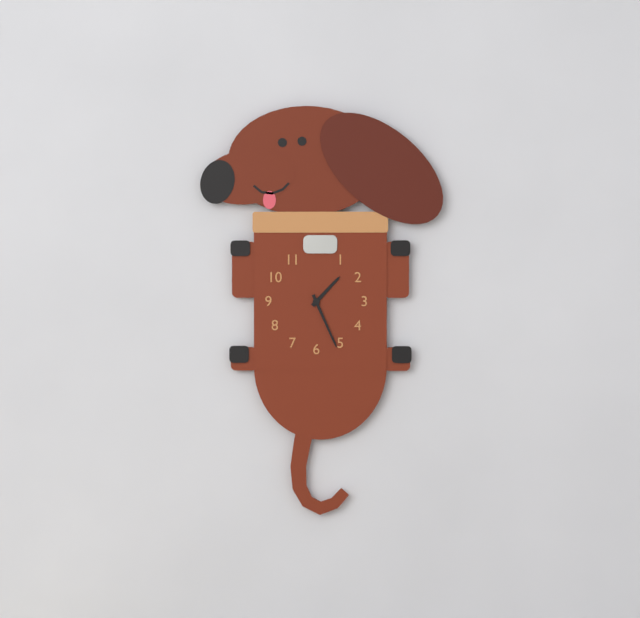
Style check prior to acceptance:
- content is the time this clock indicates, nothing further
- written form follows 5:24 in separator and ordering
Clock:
1:26
